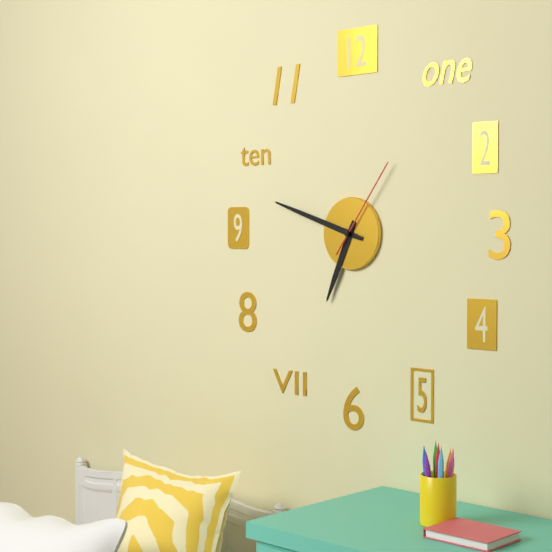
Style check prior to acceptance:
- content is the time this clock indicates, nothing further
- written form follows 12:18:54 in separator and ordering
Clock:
6:48:06
